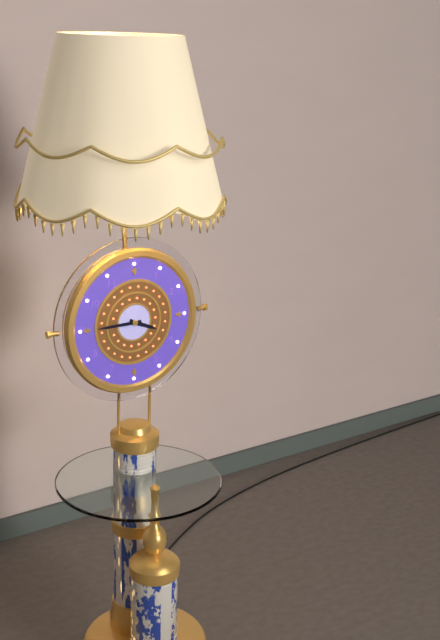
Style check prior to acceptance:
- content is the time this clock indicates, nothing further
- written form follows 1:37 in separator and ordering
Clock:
3:45
